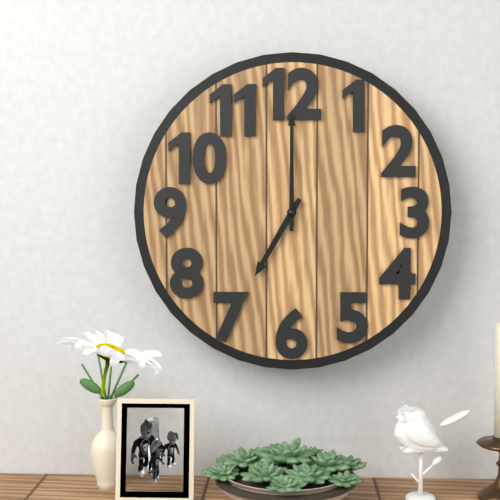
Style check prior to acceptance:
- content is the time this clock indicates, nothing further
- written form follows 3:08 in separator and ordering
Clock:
7:00
